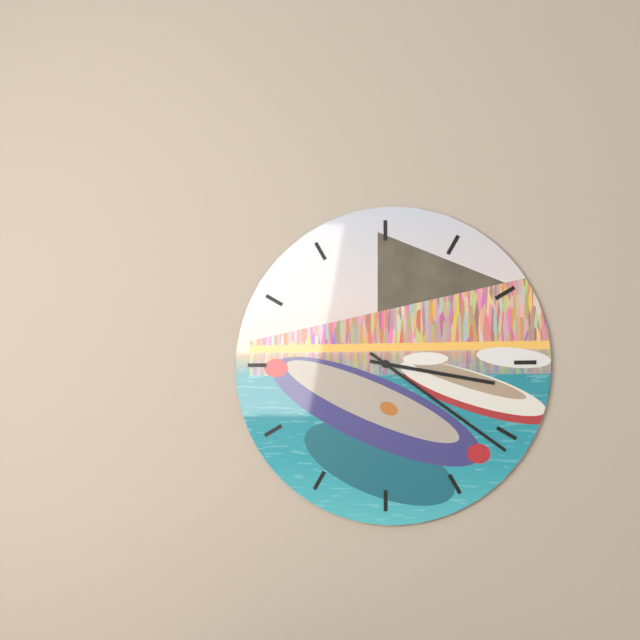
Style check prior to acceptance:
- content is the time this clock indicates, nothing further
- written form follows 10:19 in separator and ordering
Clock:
3:21
